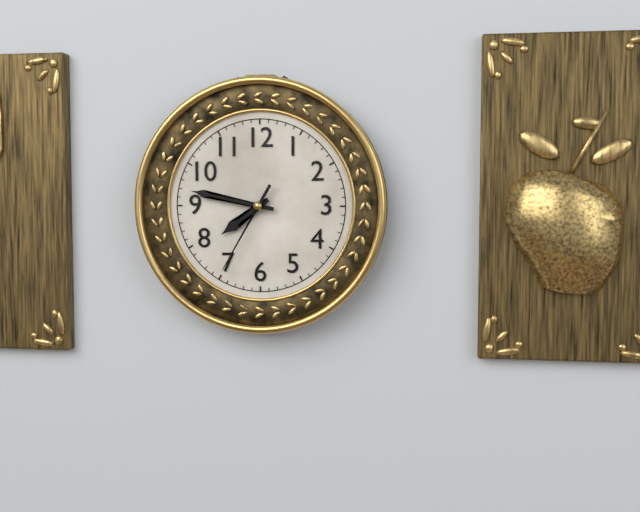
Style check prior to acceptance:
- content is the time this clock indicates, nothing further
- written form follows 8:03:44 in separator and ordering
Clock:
7:47:35
